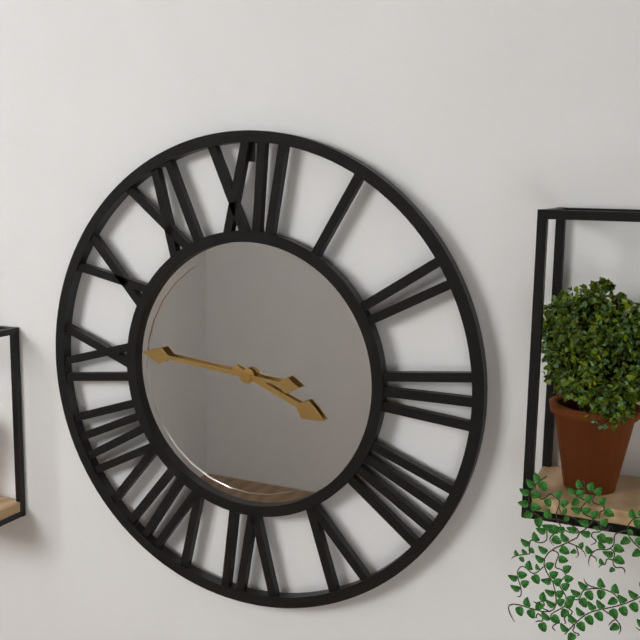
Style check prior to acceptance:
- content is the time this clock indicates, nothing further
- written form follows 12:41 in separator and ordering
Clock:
3:46
